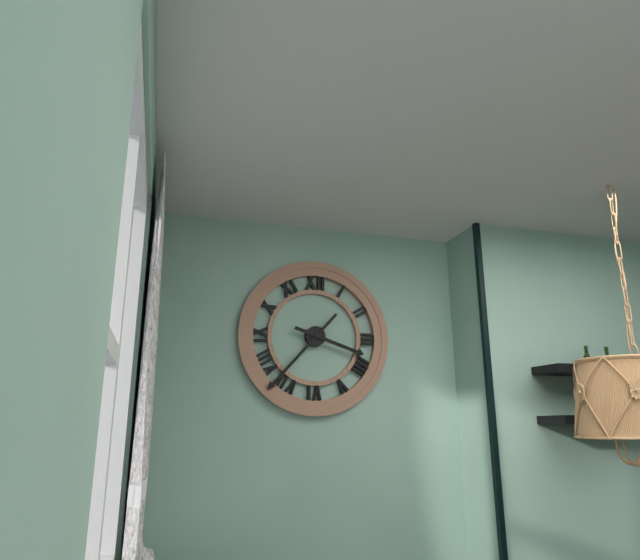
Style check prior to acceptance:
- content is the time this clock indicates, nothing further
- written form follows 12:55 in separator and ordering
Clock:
3:37
